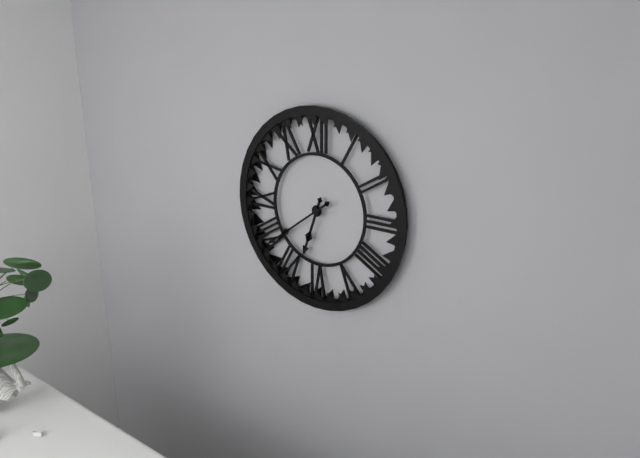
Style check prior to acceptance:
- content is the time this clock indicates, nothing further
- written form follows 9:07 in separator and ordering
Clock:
6:39
